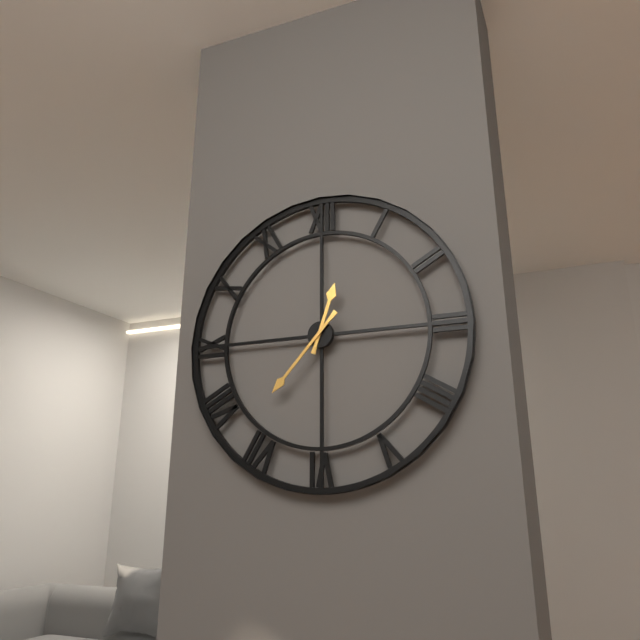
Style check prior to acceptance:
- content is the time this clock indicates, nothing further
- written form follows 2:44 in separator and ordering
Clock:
12:37
